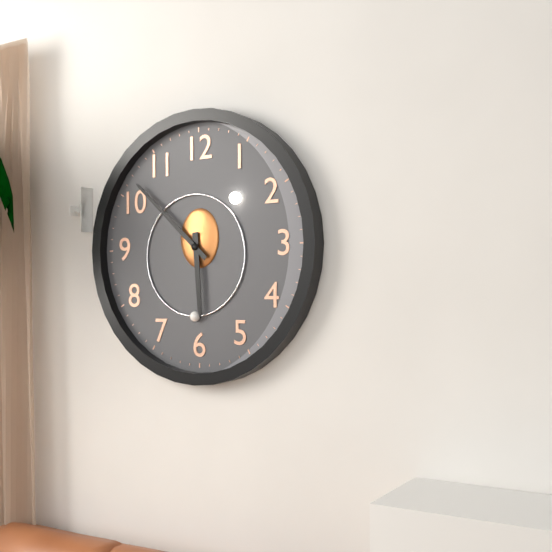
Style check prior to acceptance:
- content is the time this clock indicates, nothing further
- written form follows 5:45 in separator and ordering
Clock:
5:52
